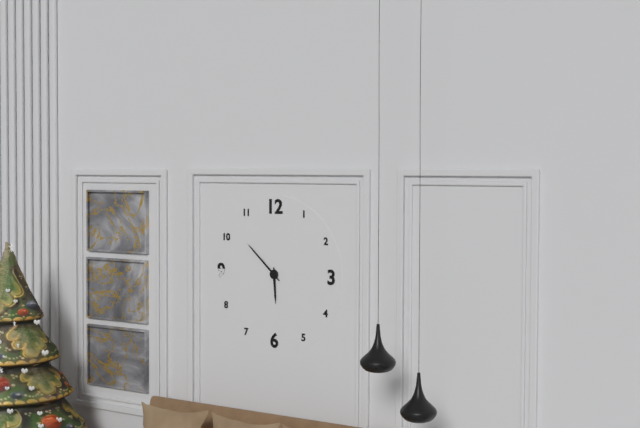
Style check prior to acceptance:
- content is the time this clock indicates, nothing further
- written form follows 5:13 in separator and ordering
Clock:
5:52
